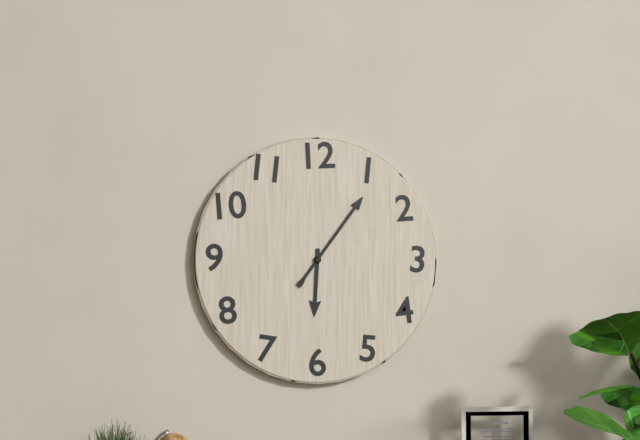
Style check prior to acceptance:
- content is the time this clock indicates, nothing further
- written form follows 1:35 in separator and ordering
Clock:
6:06
